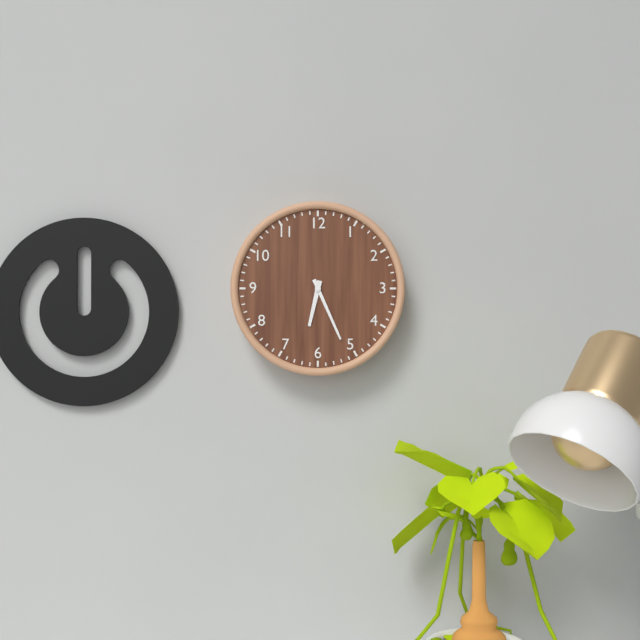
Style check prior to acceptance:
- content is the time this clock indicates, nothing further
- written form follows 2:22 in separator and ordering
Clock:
6:26
